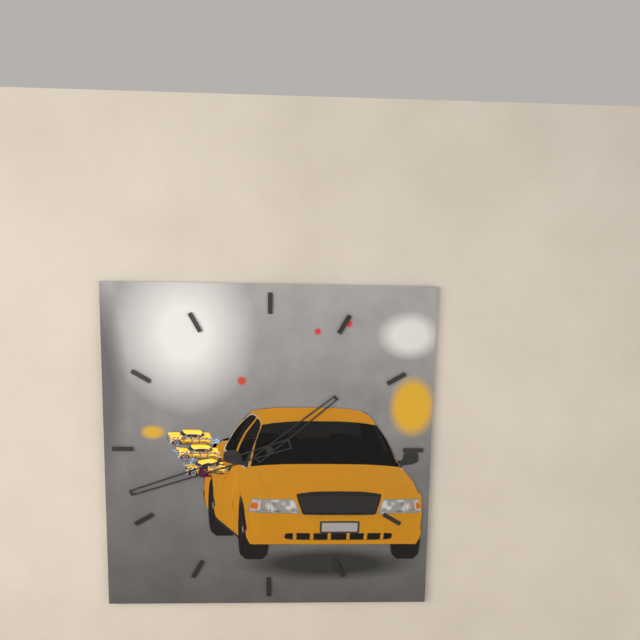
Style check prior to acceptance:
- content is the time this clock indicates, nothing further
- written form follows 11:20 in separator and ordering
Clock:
1:42
